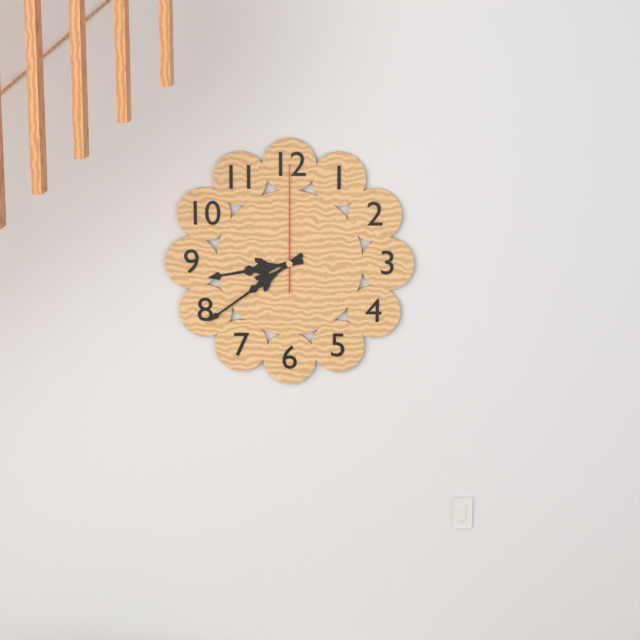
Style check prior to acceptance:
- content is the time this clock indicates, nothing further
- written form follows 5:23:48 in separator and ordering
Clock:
8:39:00
